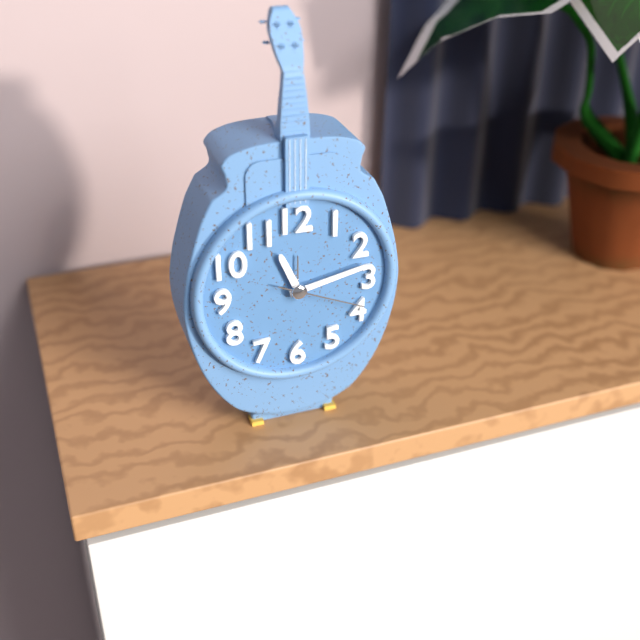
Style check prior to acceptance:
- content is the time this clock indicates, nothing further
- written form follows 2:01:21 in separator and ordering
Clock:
11:13:19
